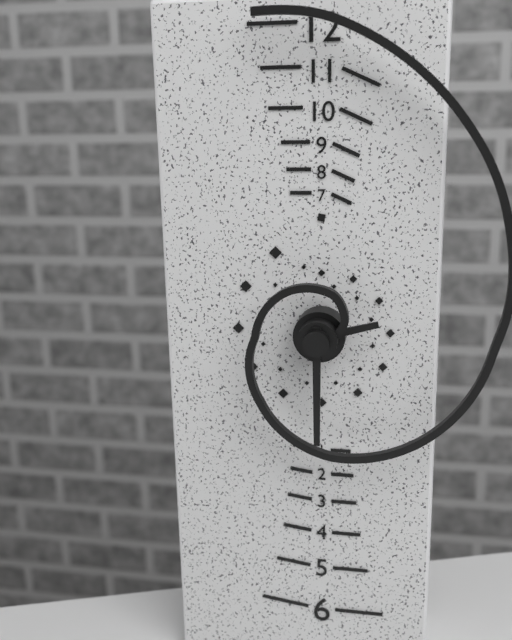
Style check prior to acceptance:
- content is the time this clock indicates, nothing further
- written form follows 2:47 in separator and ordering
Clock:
2:30
